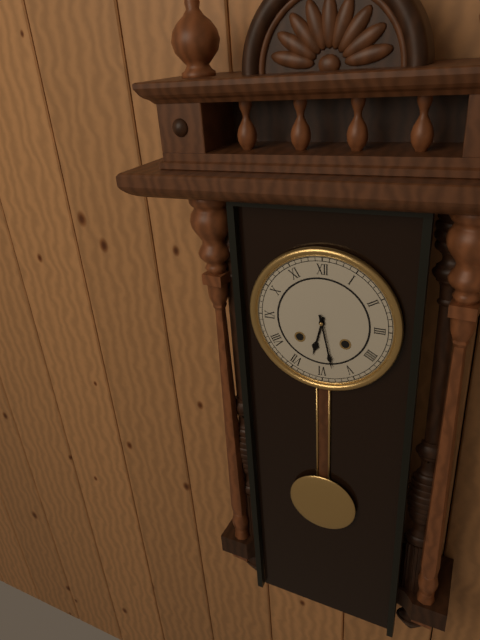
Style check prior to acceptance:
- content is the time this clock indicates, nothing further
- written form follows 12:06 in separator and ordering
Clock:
6:28
